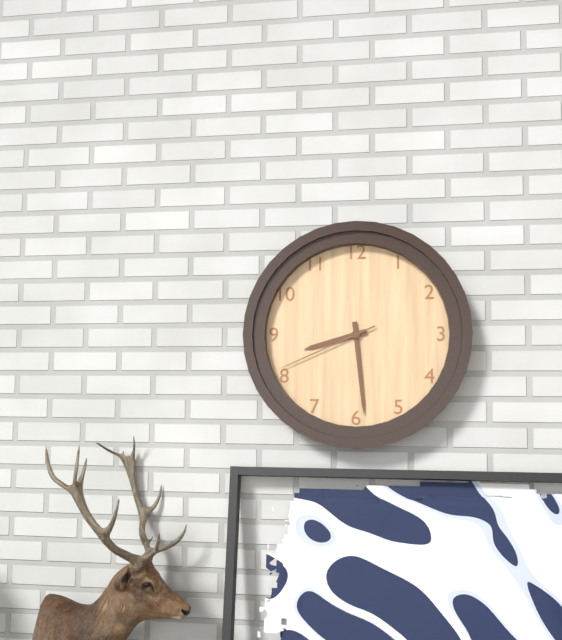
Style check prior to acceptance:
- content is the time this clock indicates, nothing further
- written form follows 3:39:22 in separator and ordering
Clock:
8:29:41
